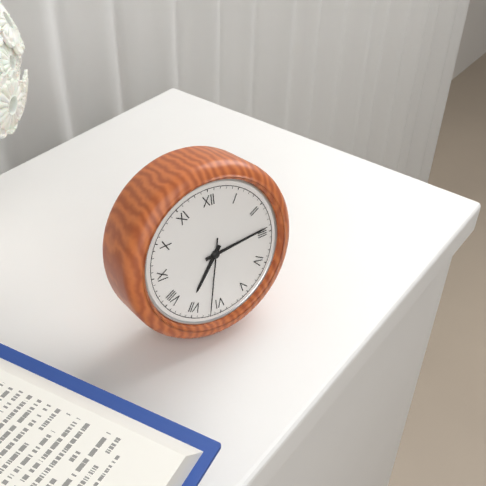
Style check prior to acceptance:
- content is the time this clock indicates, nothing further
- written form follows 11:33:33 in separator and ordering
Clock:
7:14:32
